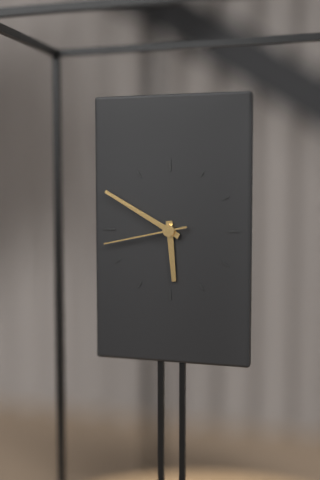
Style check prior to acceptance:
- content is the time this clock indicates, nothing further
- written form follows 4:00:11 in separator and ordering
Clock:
5:50:43
